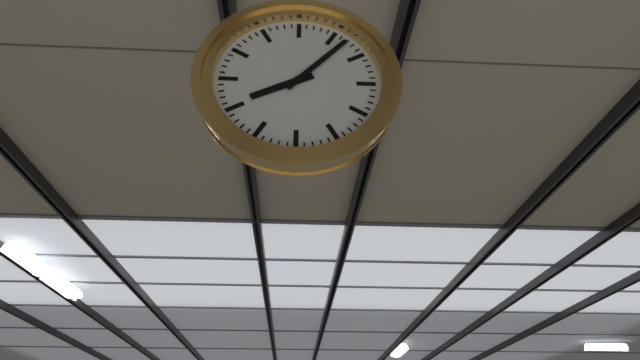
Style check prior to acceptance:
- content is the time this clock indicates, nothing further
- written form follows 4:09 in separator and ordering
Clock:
8:07
